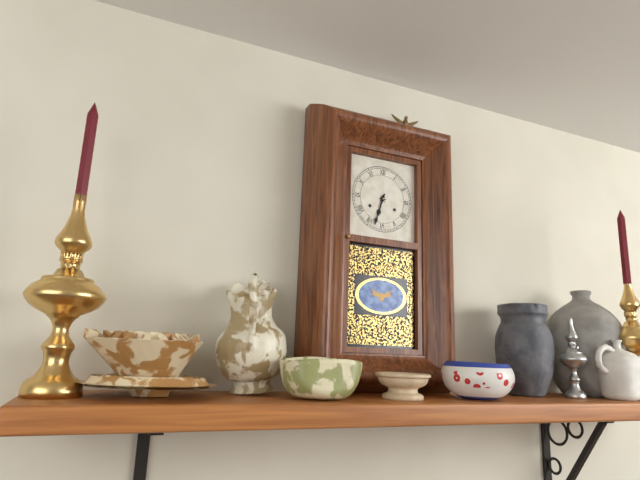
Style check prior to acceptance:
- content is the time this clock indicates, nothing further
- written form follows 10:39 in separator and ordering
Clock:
6:33
